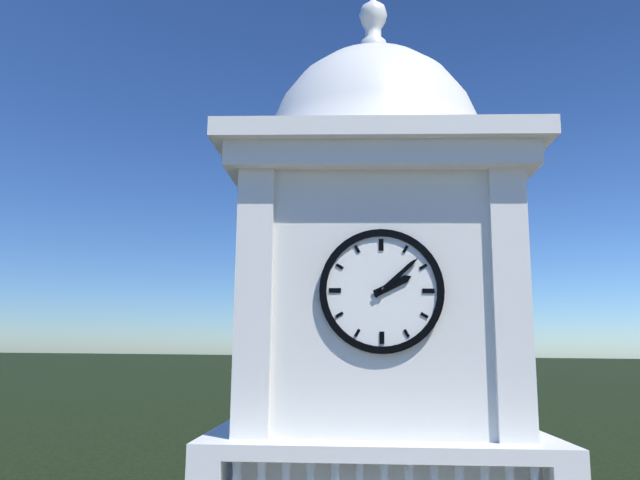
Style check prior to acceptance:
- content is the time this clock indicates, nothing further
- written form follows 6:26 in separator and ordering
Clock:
2:08
